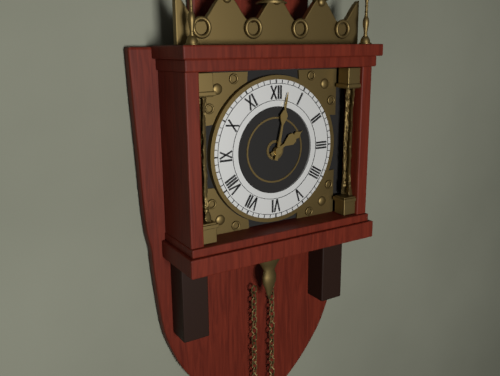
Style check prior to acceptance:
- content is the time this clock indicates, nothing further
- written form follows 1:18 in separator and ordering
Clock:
2:02
